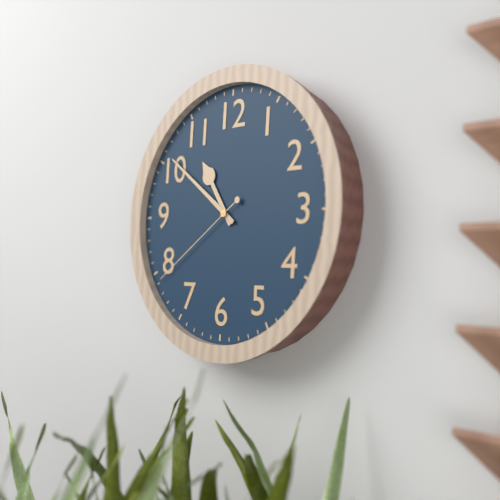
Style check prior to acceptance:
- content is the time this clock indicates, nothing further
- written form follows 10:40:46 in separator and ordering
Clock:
10:51:39
